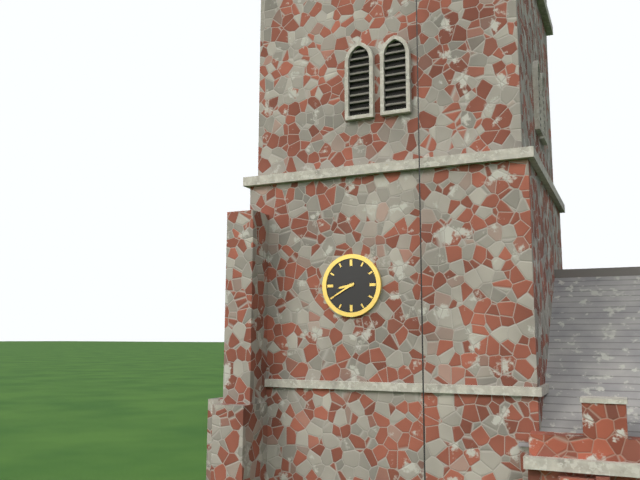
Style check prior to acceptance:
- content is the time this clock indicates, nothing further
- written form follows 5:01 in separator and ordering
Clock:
8:40
